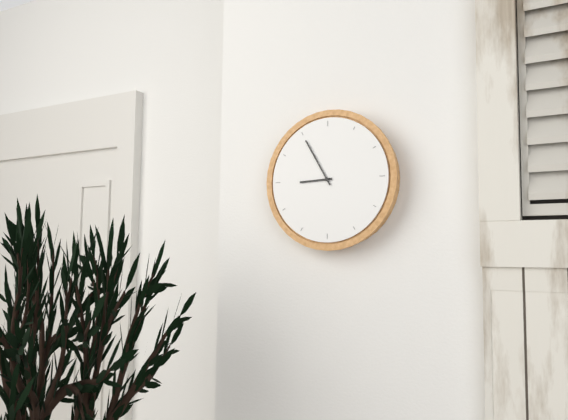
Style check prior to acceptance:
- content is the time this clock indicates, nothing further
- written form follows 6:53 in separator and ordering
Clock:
8:55
